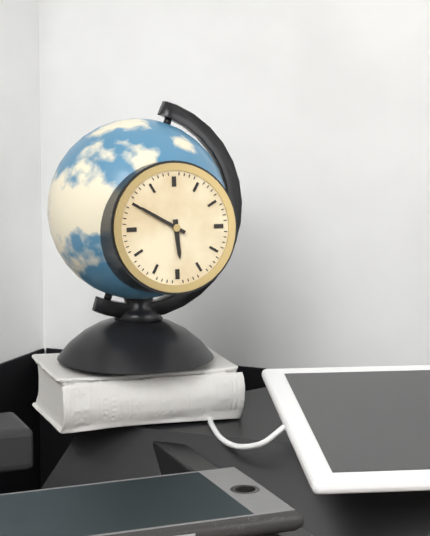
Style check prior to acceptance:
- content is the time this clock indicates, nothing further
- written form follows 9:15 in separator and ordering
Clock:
5:50
